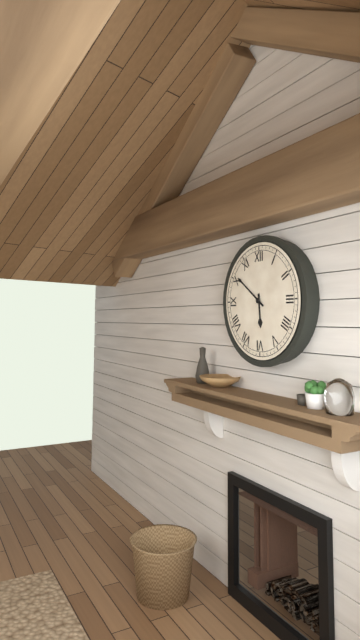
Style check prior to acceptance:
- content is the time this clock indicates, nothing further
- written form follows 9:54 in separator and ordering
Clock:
5:51
